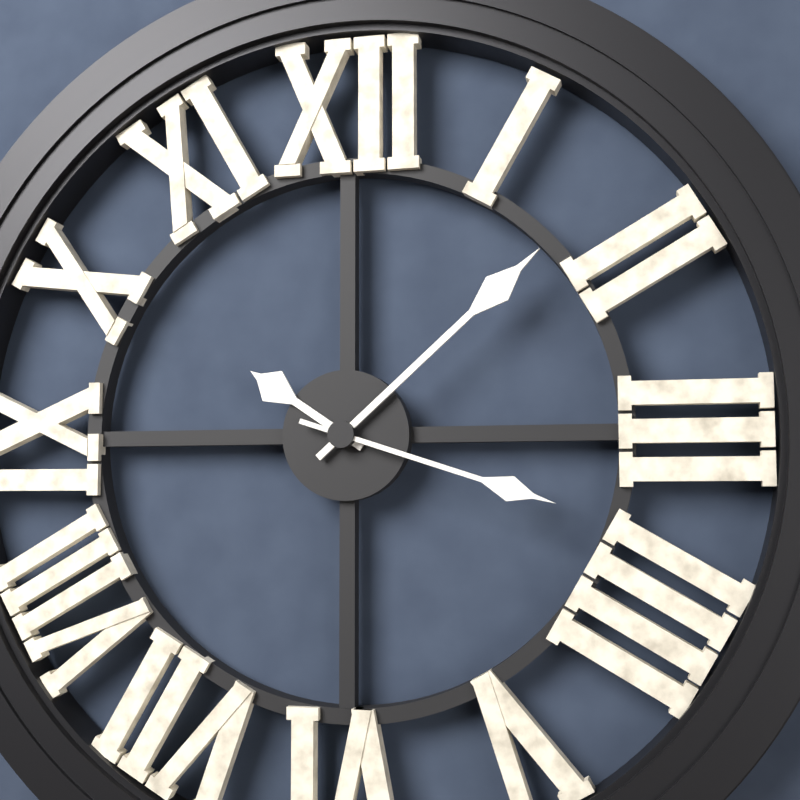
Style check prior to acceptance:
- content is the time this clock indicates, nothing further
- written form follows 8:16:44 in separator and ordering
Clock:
10:08:18
